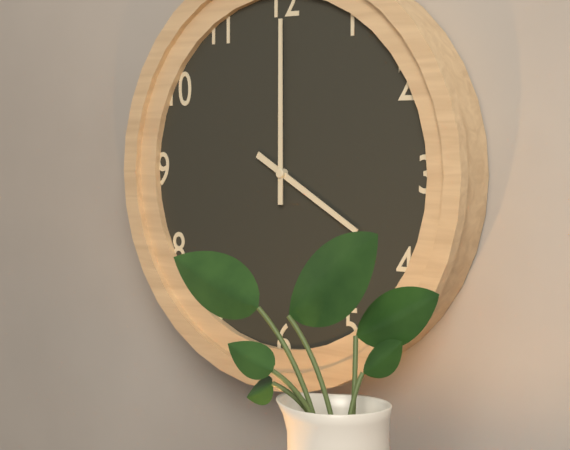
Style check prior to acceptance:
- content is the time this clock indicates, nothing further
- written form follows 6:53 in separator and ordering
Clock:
4:00
